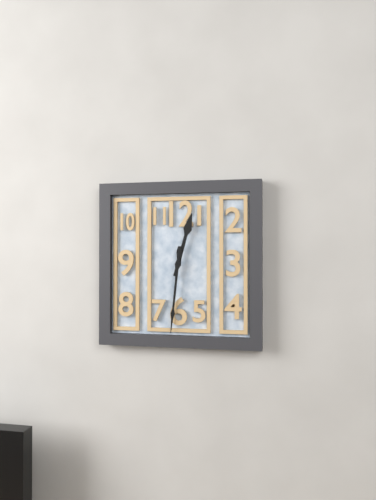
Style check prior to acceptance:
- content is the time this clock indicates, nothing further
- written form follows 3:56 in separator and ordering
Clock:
12:31
